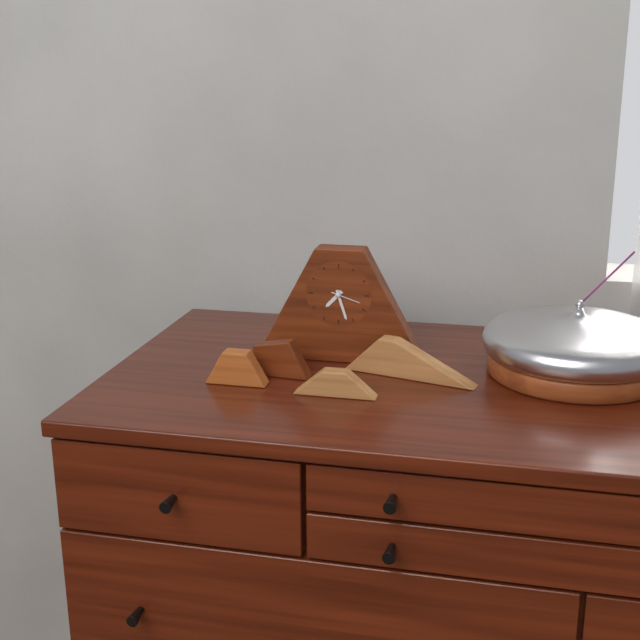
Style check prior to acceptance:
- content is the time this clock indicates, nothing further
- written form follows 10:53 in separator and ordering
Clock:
7:27
